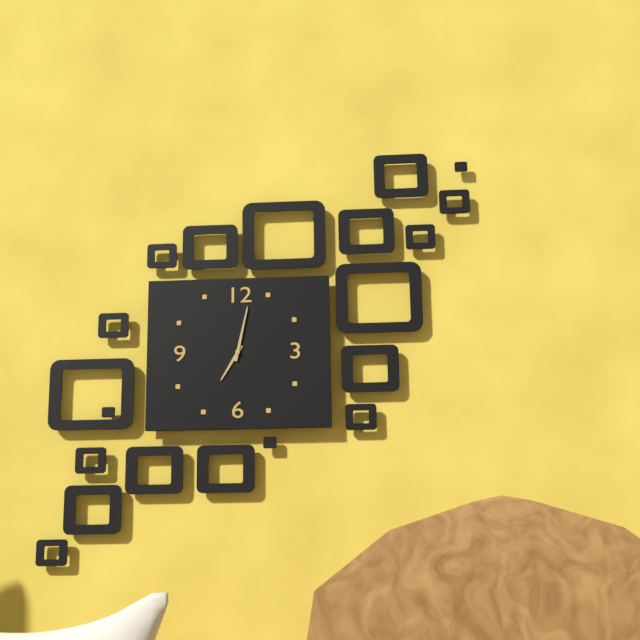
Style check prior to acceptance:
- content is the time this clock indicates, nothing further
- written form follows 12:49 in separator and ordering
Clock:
7:02
